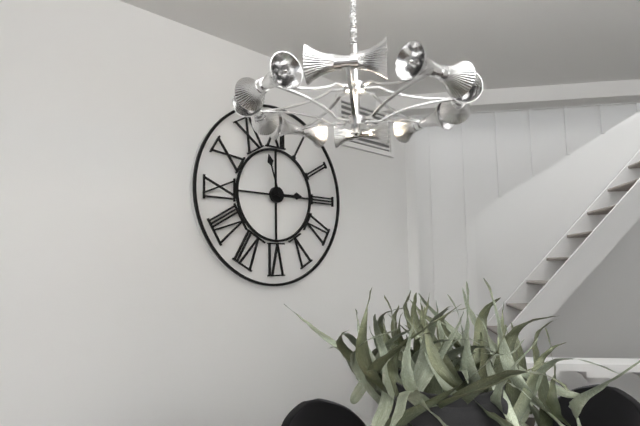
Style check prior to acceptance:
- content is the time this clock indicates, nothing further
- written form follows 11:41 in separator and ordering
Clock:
2:57
